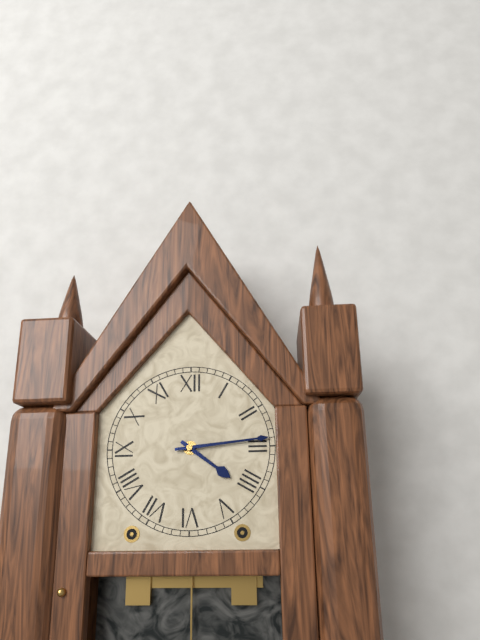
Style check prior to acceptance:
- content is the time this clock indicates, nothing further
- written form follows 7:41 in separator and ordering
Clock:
4:14
